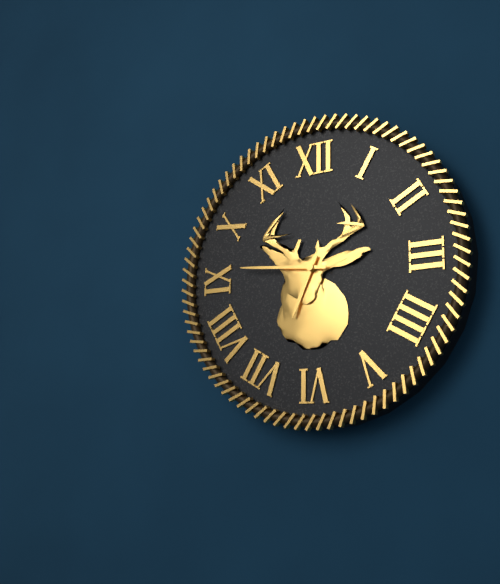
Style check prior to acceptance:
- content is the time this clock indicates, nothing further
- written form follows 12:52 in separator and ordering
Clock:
6:46
